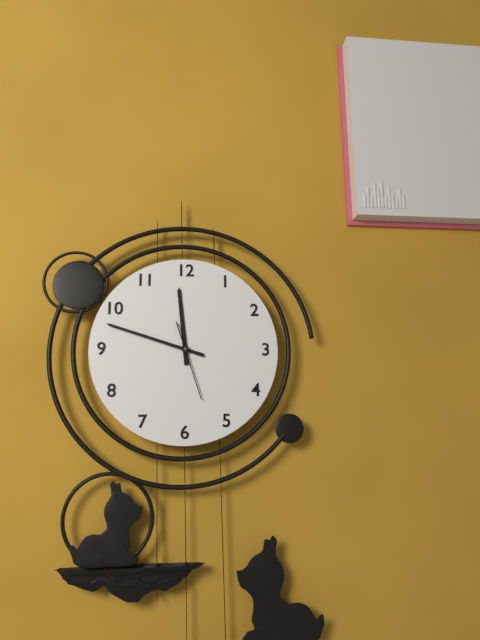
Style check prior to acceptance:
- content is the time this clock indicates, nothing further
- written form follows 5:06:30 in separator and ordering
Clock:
11:48:27
